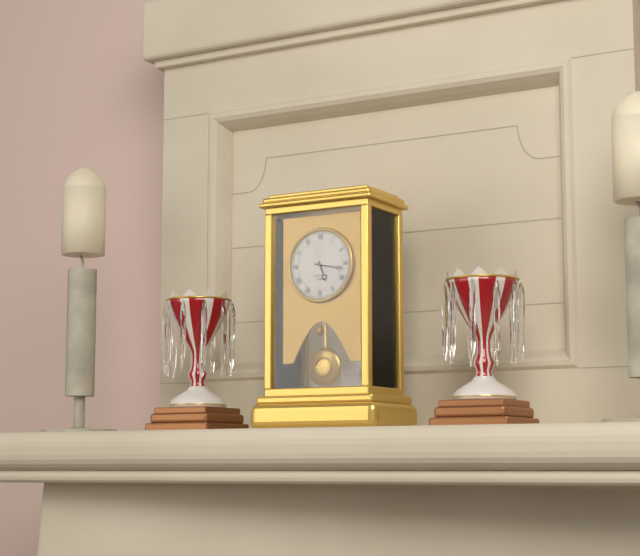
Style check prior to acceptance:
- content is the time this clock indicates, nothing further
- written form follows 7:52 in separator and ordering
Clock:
5:17
